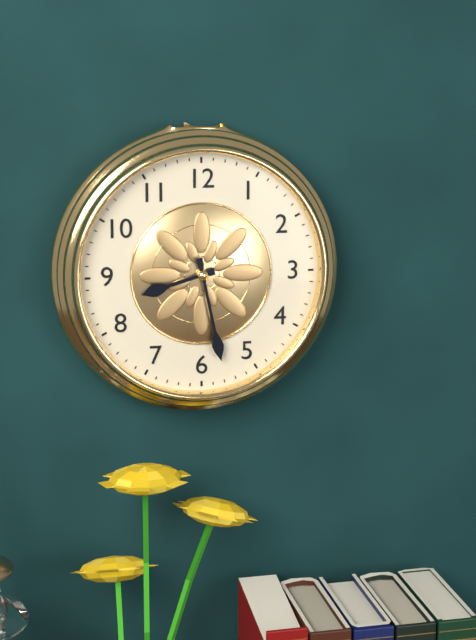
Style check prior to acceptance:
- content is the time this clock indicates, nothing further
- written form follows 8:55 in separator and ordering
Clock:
8:28
